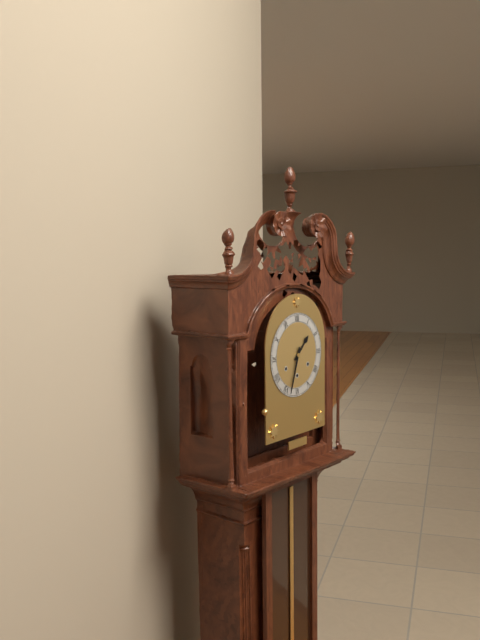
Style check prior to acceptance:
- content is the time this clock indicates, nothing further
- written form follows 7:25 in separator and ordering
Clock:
1:33
